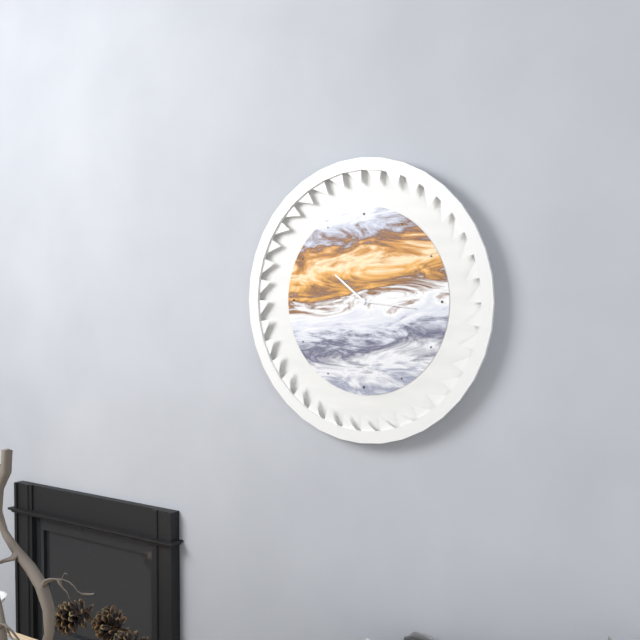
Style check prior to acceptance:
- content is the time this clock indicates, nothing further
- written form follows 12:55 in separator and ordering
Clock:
10:16
